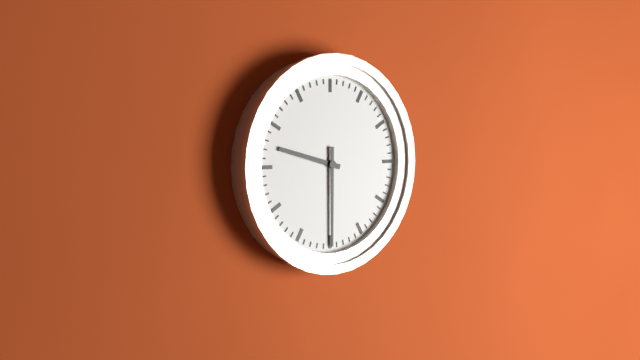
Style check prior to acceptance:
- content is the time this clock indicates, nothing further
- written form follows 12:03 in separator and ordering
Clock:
9:30
